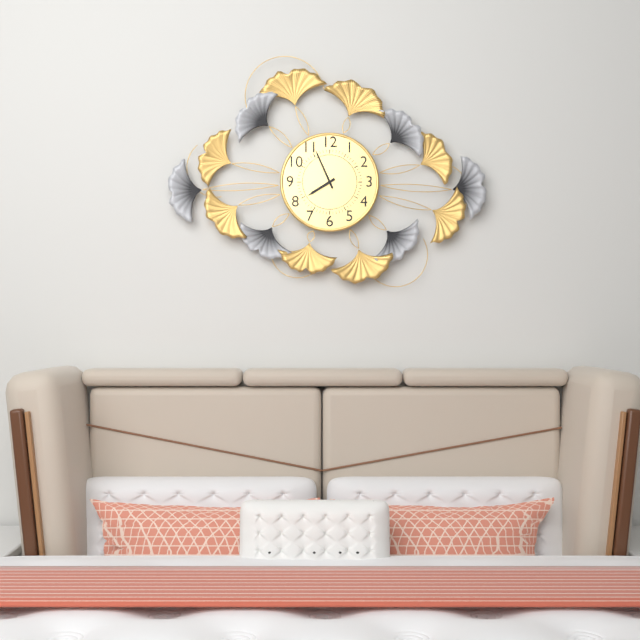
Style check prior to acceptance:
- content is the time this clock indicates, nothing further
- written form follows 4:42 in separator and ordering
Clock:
7:56
